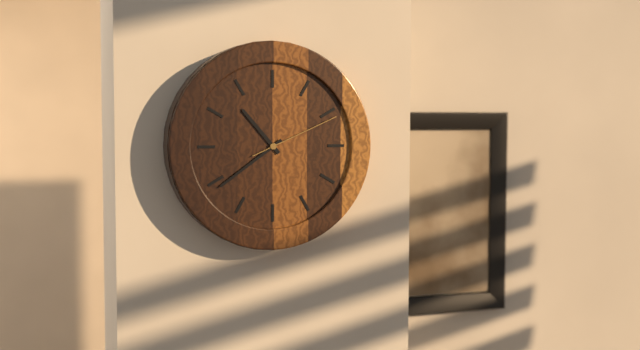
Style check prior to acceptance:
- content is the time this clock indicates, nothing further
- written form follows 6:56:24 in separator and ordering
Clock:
10:39:11
